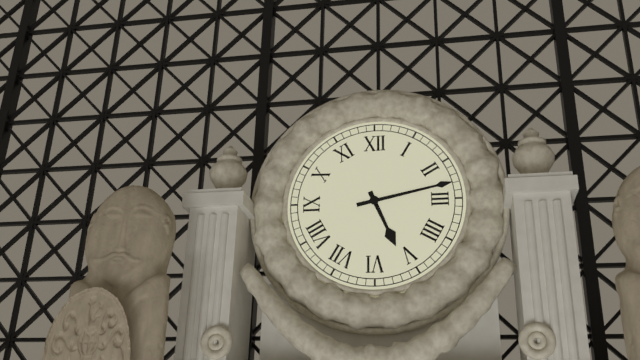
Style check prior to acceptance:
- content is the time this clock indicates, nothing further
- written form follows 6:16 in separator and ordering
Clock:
5:13
